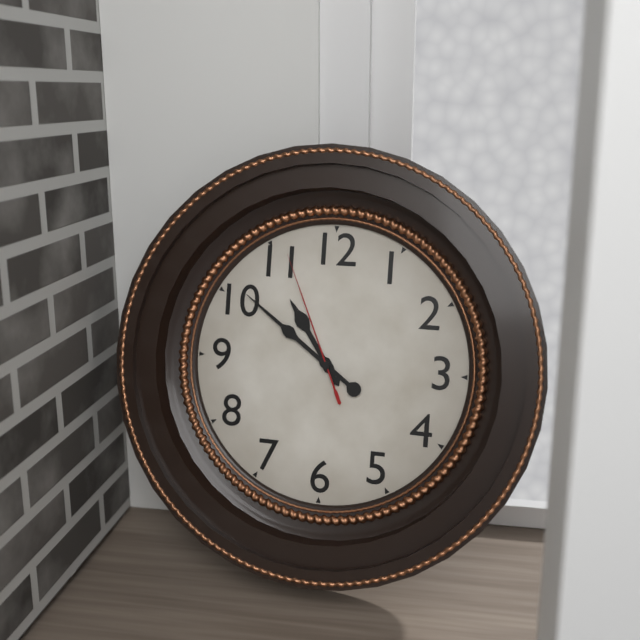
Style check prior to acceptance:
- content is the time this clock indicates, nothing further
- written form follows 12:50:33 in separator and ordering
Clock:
10:51:56
